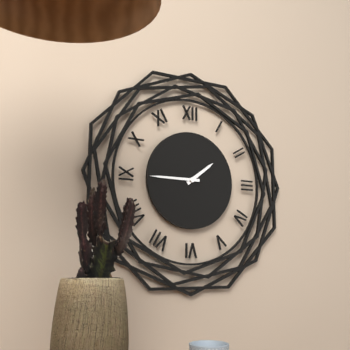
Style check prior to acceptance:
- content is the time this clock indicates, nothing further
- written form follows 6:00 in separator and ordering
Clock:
1:45
